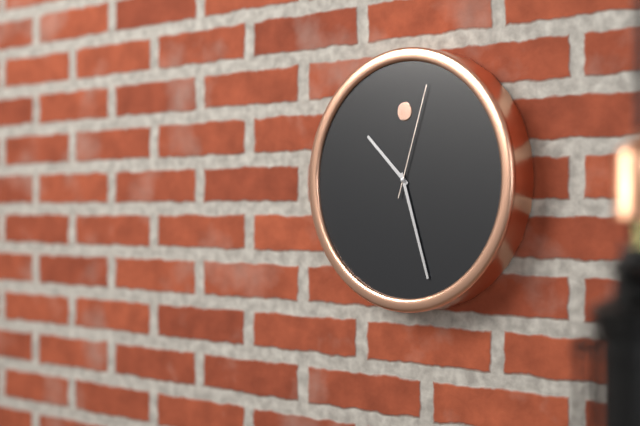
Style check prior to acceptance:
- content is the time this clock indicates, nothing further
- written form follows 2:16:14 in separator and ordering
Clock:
10:27:03
